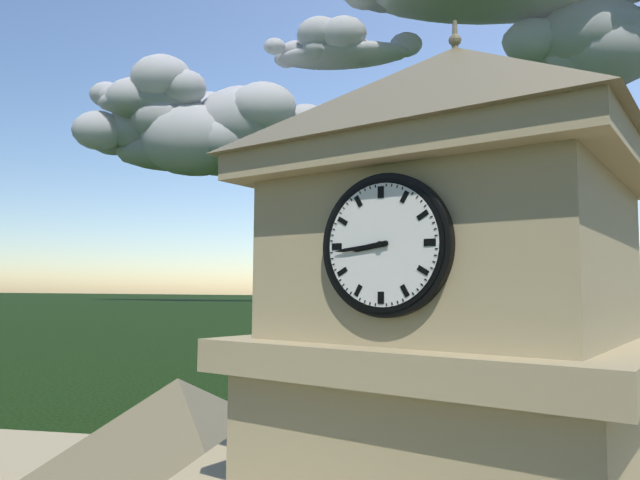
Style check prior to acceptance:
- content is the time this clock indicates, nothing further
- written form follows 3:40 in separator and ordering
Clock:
8:44
